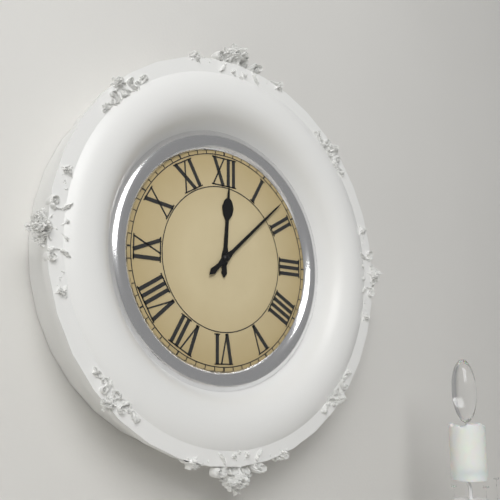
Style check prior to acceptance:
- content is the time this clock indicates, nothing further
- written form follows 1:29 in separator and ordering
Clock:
12:08
